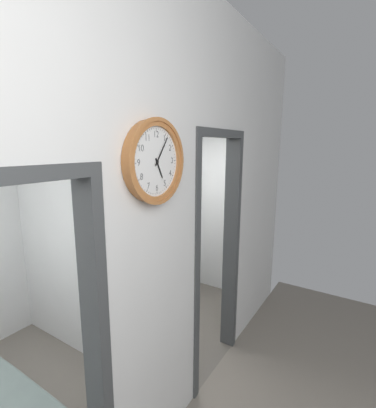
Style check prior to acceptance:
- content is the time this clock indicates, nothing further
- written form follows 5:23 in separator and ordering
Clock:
5:06
